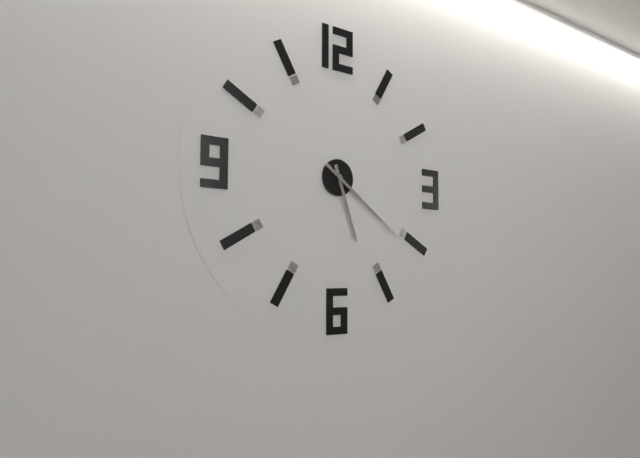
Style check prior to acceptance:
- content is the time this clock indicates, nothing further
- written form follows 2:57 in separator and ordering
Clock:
5:21
